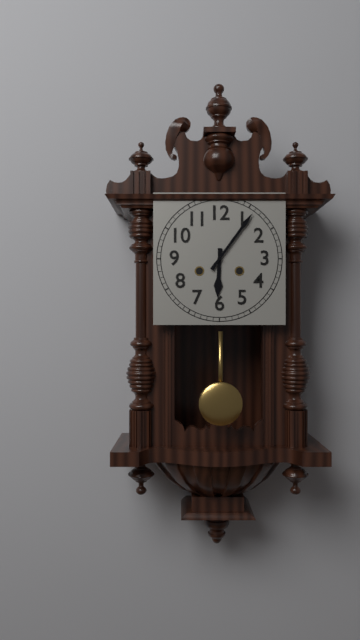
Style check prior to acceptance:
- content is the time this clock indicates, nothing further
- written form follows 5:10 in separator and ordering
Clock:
6:06
